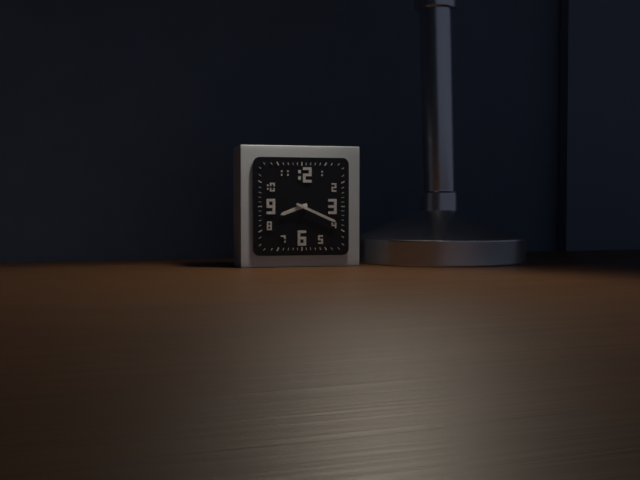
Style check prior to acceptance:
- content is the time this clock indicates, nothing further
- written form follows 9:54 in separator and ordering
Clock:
8:19
